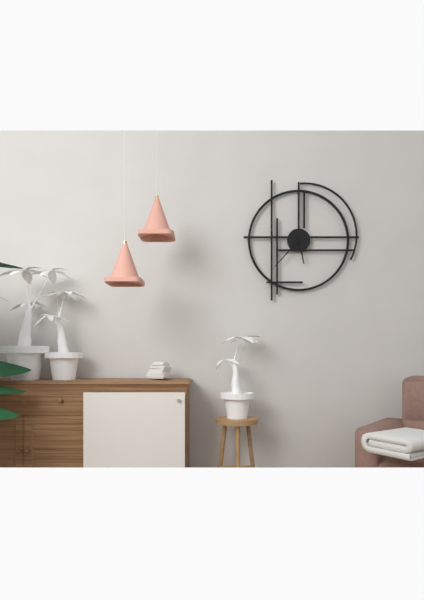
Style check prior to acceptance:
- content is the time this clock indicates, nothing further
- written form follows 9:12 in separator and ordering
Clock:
5:37
